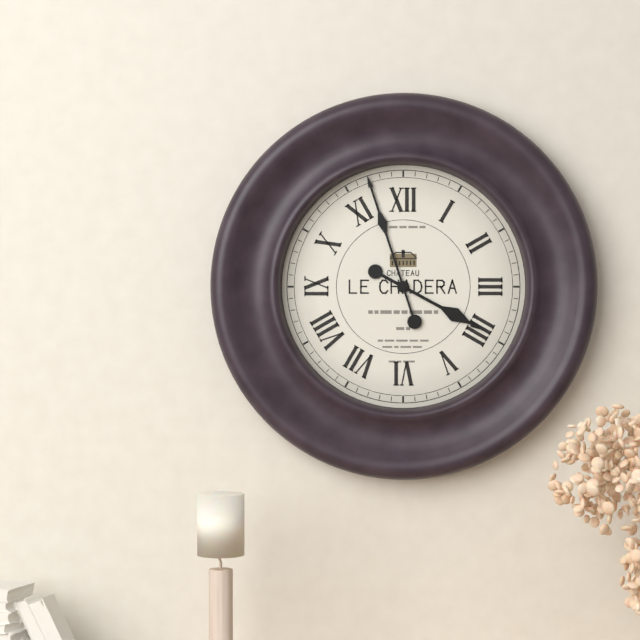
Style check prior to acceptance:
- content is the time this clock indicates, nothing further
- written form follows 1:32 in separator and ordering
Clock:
3:57
